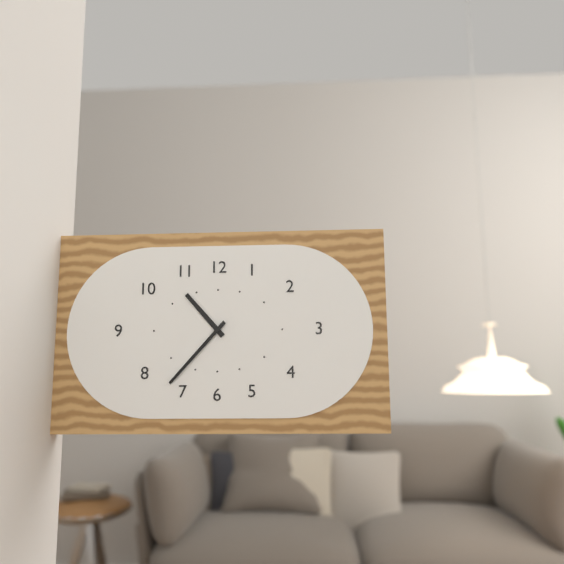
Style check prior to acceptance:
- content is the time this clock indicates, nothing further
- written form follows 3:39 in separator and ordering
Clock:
10:37
